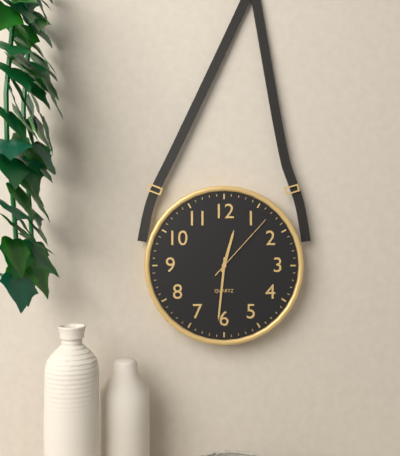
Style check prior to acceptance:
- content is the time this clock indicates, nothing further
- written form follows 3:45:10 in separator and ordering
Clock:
12:31:07
